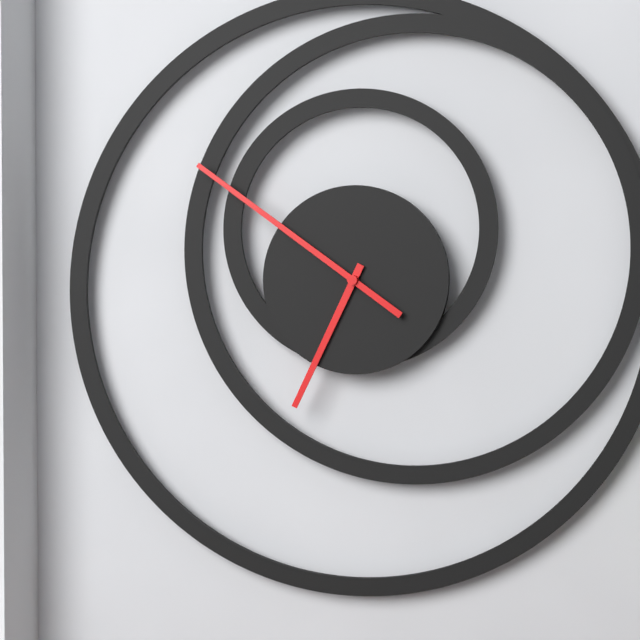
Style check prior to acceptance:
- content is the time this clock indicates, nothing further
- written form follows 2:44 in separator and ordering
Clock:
6:51
